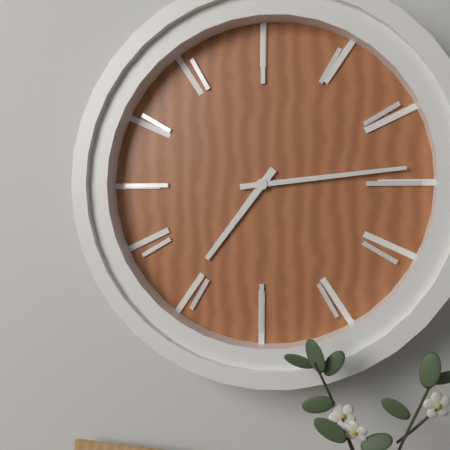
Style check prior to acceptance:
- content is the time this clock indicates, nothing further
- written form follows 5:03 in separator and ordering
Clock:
7:14
